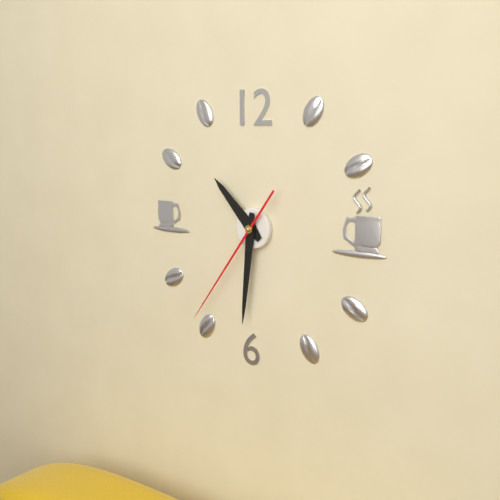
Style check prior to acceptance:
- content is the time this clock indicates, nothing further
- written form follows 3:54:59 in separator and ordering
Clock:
10:31:36
